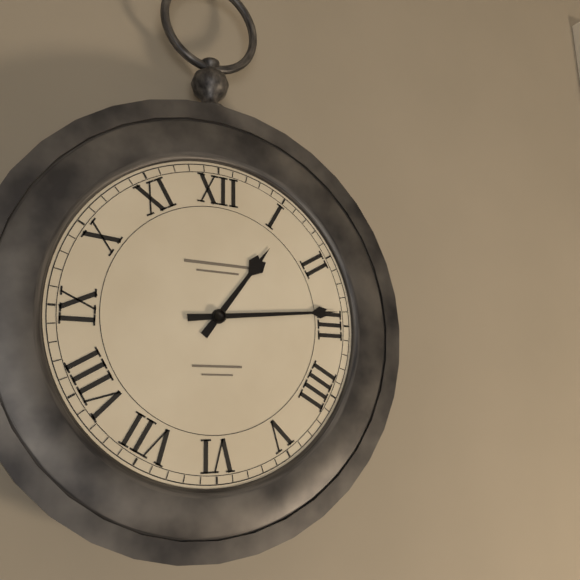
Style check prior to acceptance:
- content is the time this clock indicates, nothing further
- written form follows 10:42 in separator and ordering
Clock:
1:14
